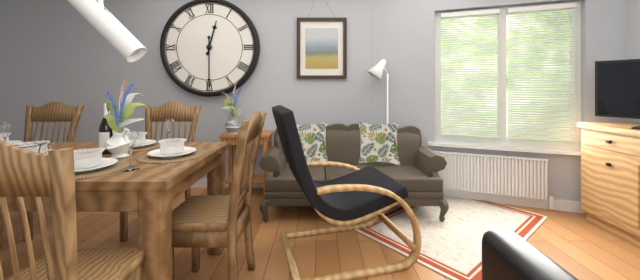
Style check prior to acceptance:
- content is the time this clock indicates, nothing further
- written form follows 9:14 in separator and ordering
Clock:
12:30
